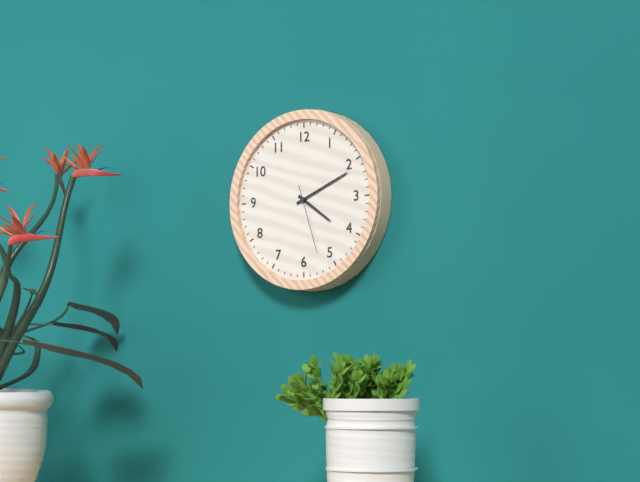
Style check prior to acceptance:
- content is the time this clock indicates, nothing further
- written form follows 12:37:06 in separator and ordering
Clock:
4:11:27
